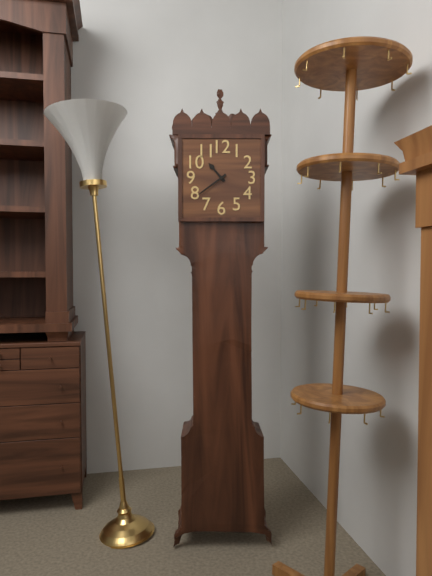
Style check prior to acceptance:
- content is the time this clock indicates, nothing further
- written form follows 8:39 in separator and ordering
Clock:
10:39
